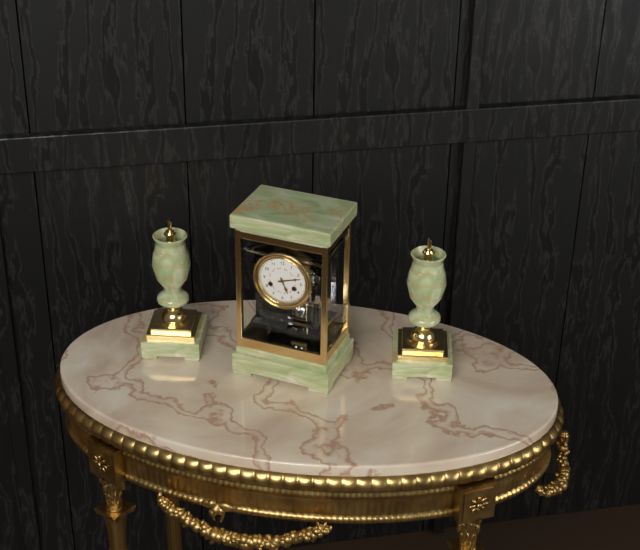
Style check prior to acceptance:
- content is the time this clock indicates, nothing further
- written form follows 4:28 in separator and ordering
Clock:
5:12
